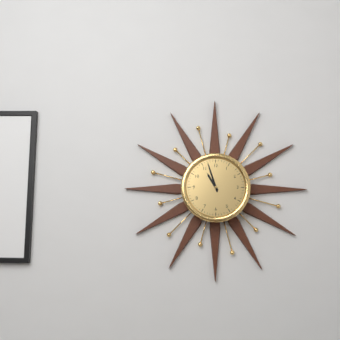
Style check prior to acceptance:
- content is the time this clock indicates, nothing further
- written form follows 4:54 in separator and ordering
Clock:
10:57
